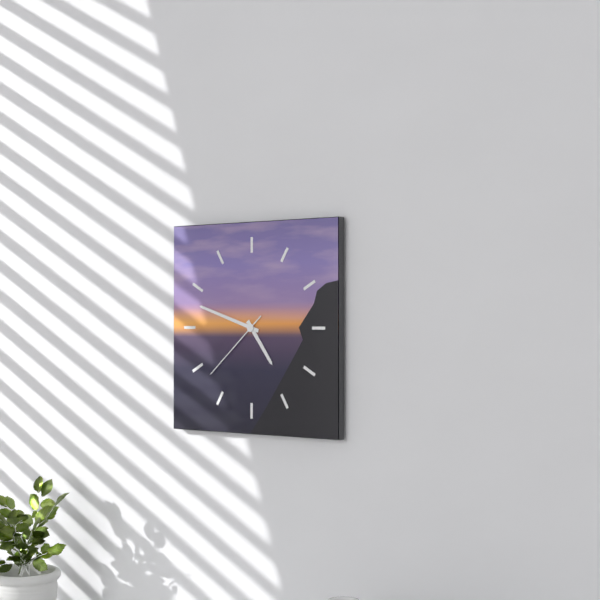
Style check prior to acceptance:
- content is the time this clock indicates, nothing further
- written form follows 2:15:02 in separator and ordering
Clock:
4:48:38
